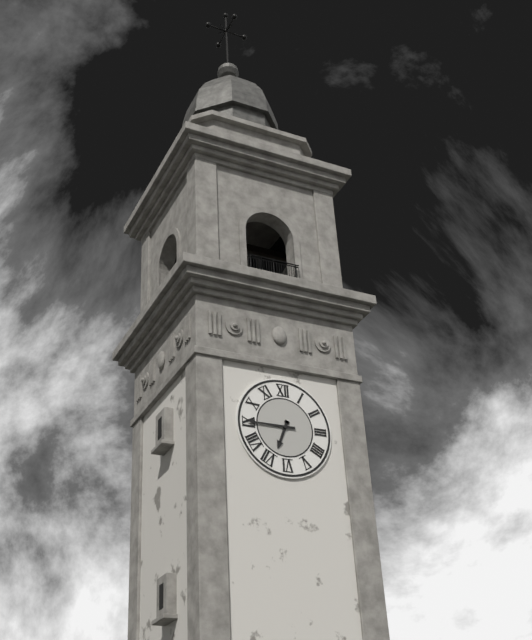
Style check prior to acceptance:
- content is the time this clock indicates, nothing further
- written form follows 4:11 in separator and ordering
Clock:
6:45
